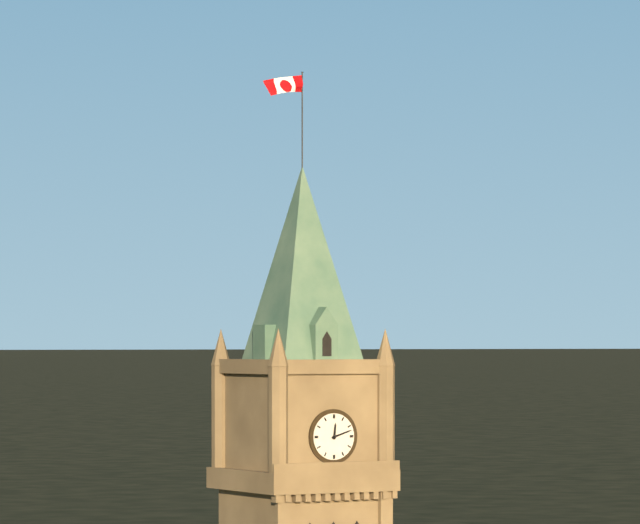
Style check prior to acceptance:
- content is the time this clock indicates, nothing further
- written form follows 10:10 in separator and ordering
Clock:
12:12
